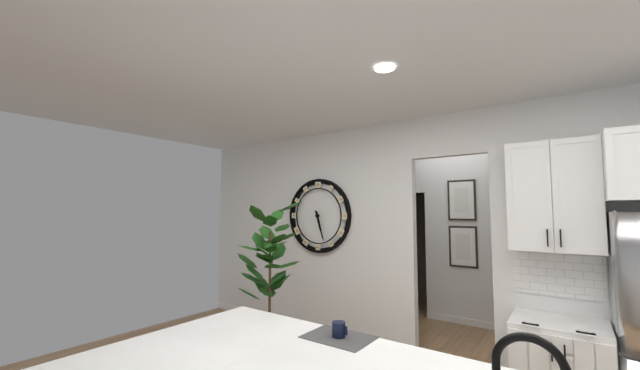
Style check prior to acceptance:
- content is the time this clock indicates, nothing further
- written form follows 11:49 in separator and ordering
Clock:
5:27
